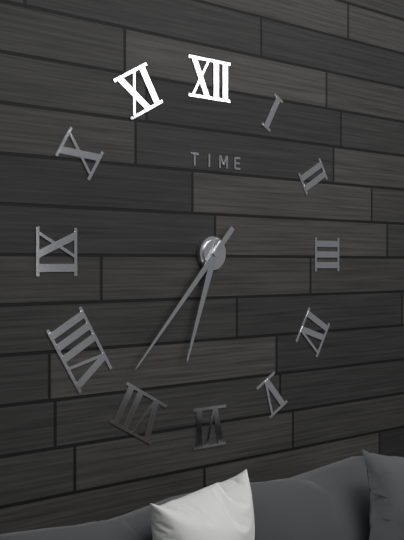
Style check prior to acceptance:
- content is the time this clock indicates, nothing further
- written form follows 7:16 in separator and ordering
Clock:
6:37
